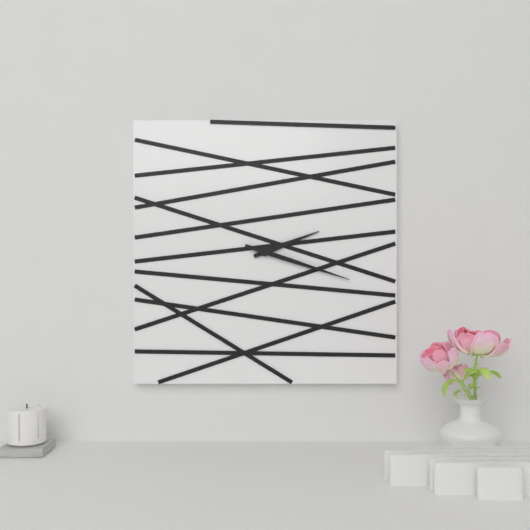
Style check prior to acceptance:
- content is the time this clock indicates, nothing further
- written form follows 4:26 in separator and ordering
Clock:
2:18
